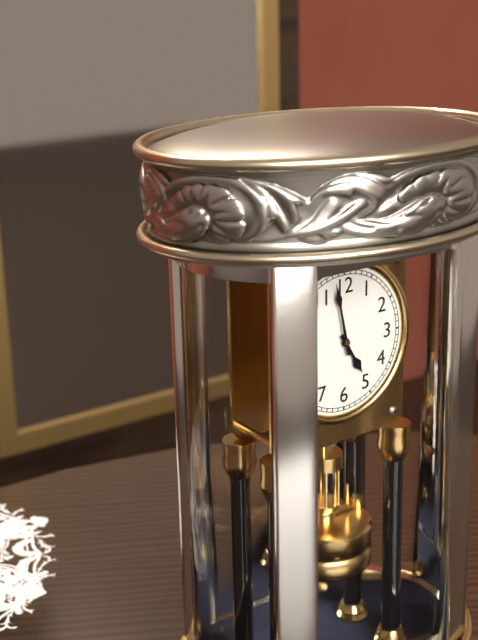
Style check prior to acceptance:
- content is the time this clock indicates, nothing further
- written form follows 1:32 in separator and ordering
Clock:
4:58
